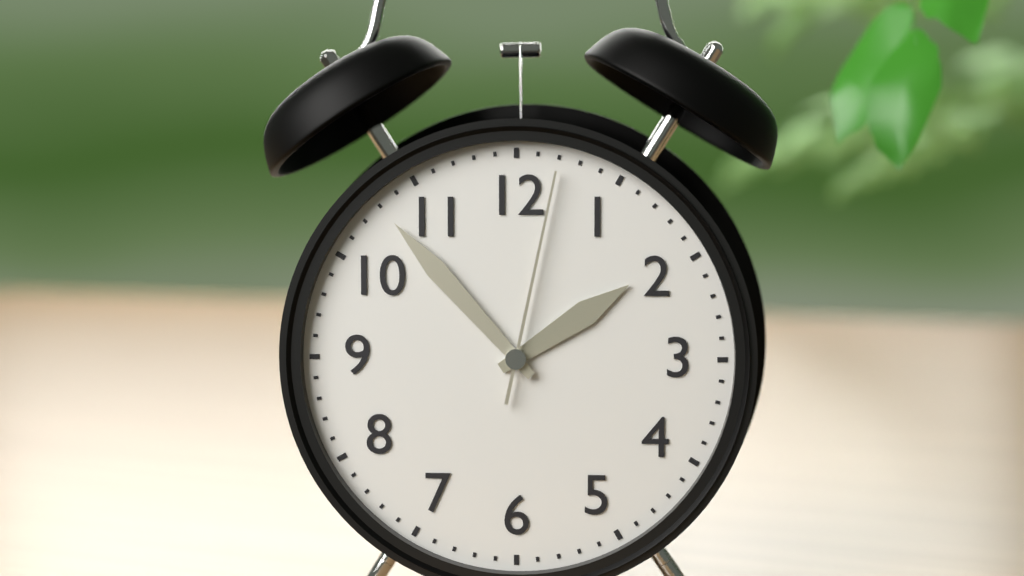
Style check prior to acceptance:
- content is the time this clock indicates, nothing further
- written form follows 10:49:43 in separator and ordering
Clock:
1:53:02
